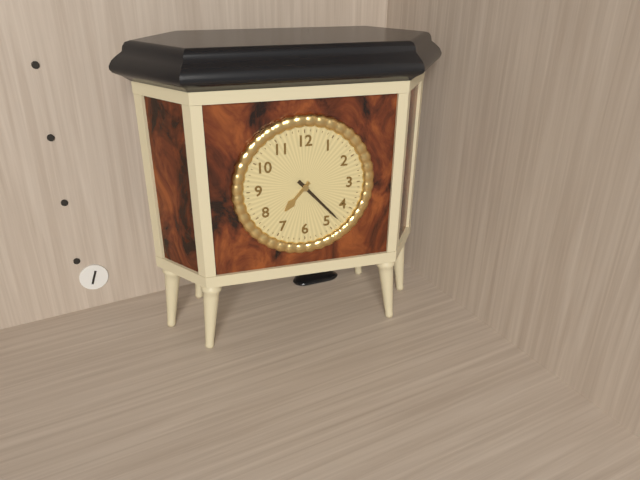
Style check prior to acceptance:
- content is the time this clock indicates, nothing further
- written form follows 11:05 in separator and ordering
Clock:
7:23
